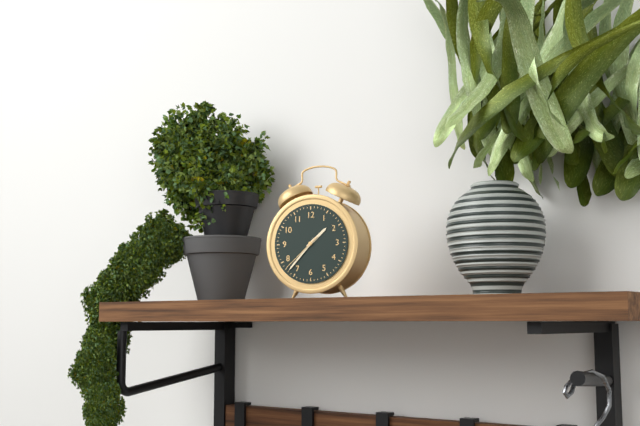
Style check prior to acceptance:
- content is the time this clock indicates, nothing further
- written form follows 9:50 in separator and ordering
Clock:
1:37
